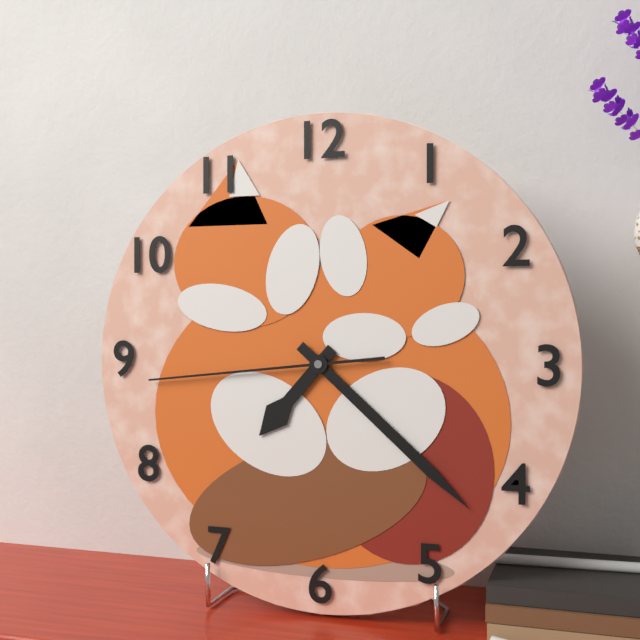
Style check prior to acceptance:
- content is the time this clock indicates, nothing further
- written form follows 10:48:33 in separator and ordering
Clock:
7:22:44
